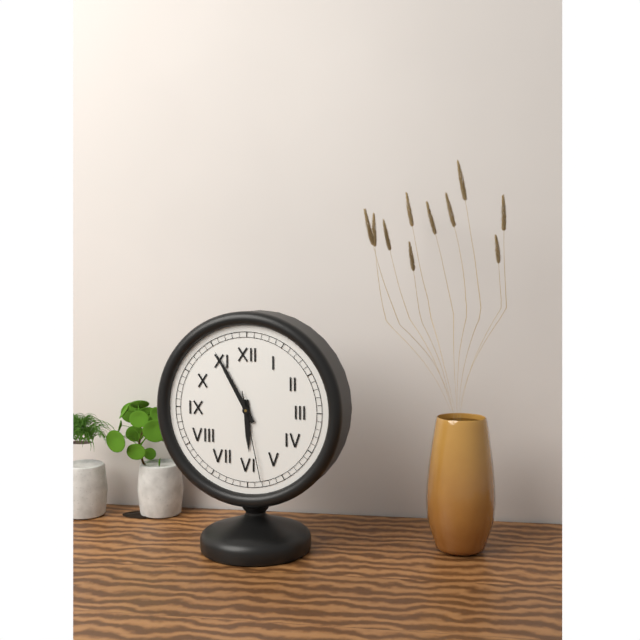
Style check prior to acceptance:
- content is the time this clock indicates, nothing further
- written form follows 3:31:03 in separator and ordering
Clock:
5:55:28
